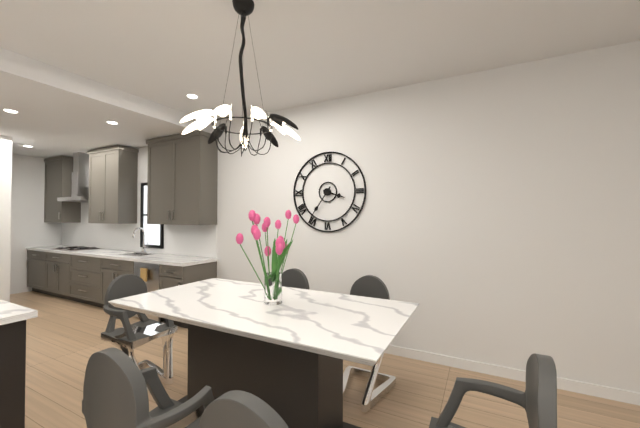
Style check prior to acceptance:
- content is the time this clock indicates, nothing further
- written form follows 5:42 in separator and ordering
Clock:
3:36
